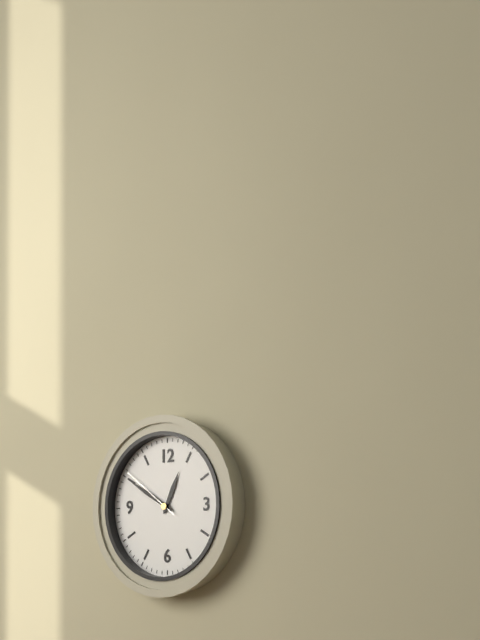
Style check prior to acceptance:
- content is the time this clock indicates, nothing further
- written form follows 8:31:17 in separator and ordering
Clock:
12:50:51
